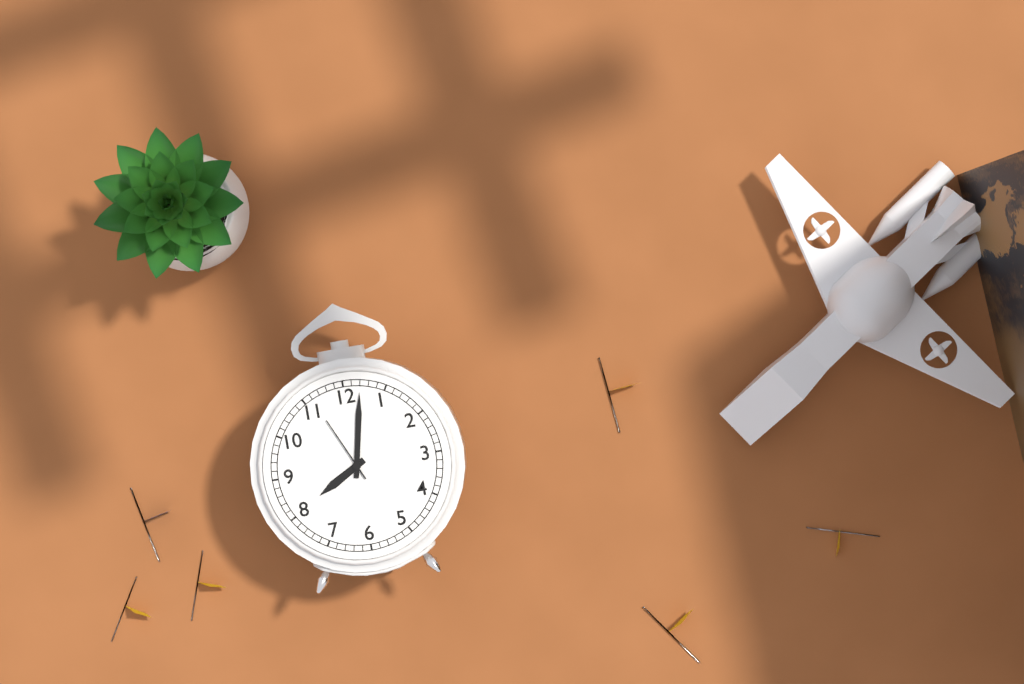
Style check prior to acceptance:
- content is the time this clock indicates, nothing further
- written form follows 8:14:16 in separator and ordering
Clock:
8:02:56
